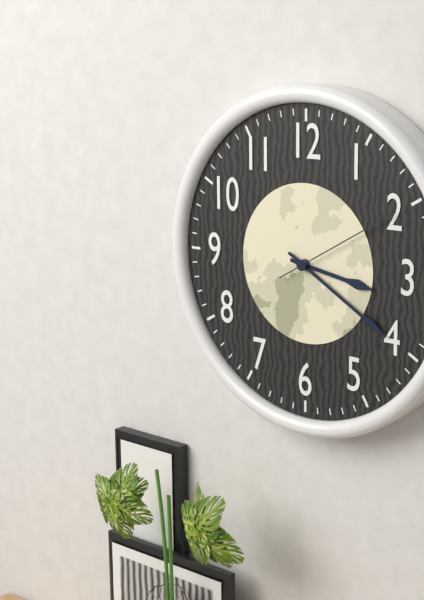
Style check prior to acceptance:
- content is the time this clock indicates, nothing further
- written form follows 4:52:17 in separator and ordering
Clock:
3:20:10
